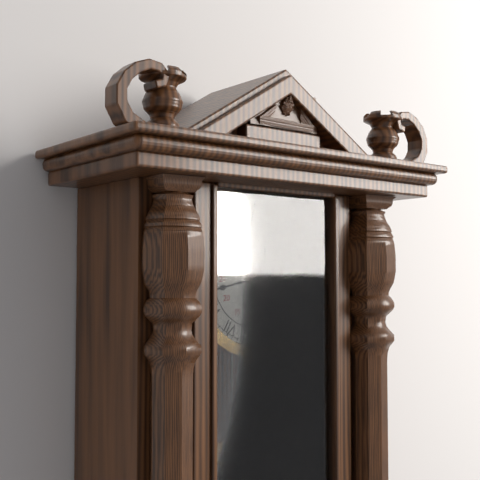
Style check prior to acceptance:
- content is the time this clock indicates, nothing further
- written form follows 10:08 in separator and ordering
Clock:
10:43
